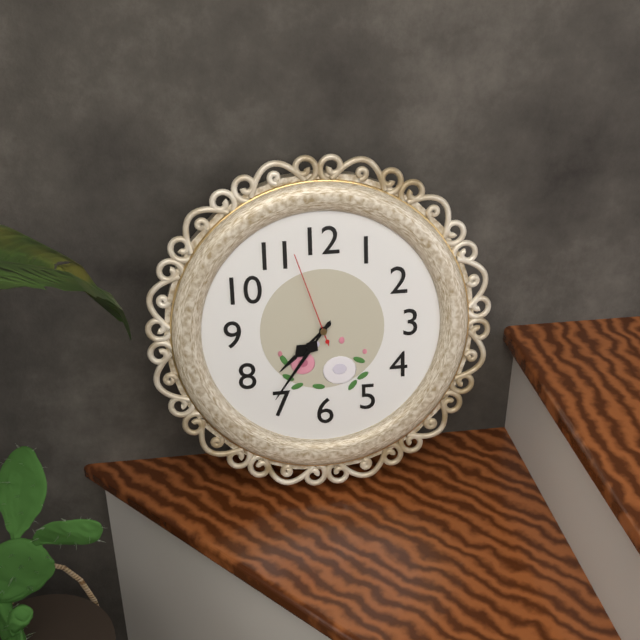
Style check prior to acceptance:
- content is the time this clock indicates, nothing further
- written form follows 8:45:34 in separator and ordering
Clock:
7:36:57
